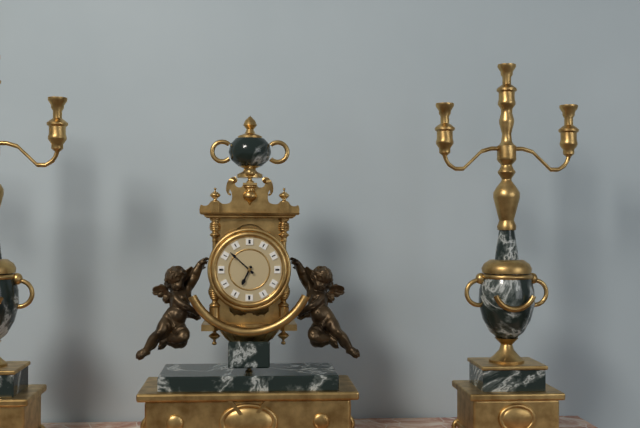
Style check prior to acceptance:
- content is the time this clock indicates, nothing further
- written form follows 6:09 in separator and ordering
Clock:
6:52
